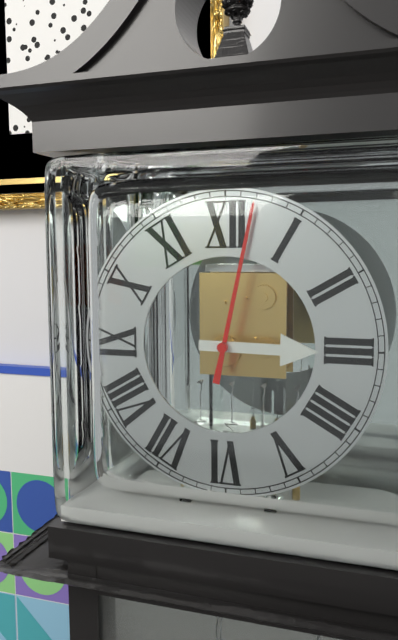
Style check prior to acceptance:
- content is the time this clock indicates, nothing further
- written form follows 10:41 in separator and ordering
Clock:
3:02
